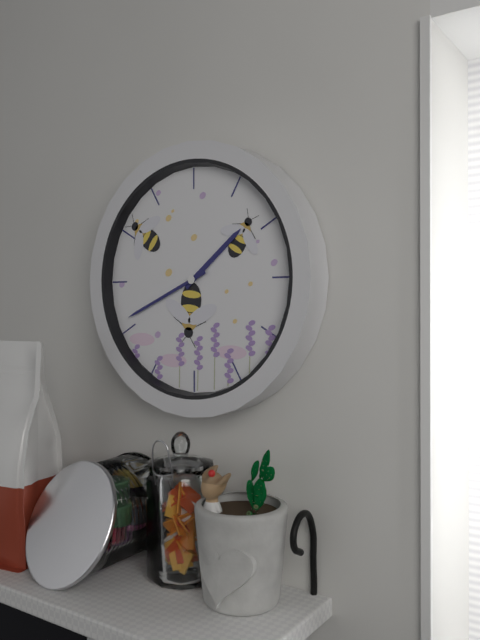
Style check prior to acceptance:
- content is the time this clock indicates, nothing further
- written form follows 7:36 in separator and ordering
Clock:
1:41
